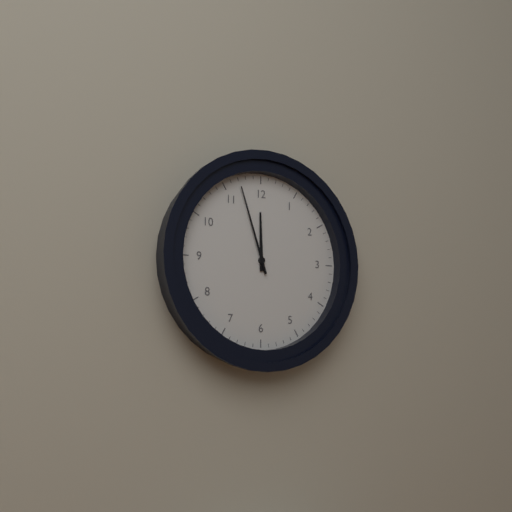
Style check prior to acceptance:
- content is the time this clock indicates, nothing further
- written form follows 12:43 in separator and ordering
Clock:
11:57
